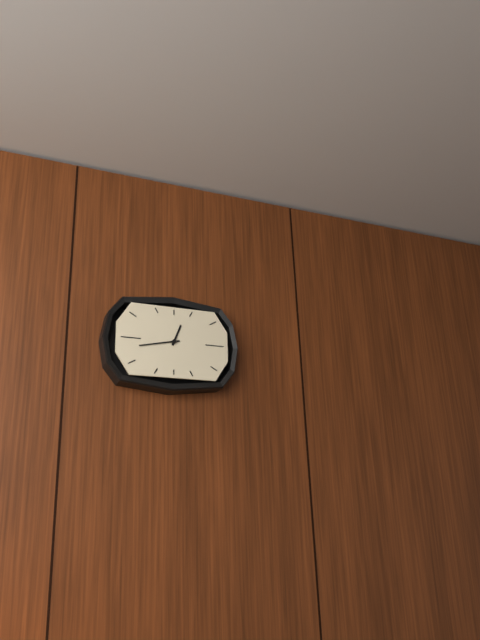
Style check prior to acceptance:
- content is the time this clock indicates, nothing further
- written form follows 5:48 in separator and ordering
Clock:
12:43
